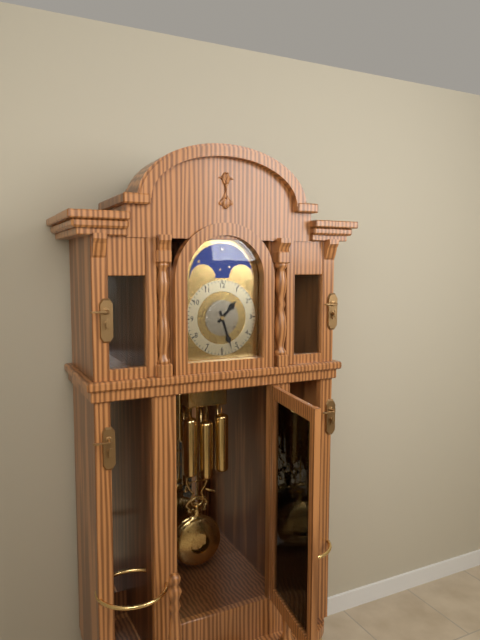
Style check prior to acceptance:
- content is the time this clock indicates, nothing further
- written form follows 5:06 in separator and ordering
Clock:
1:27
